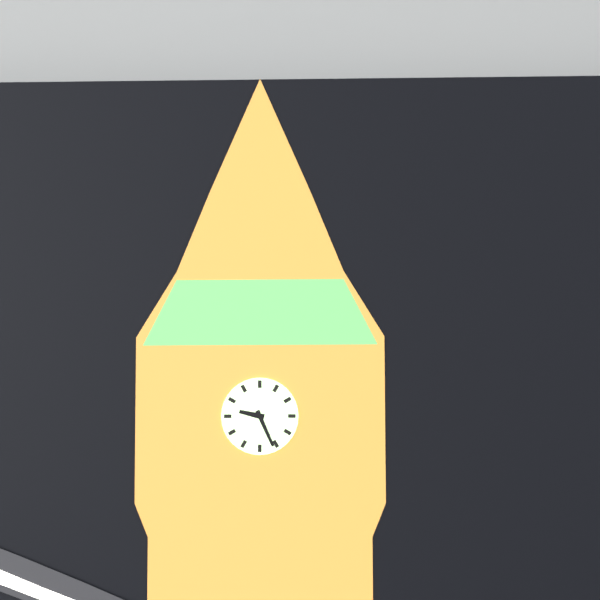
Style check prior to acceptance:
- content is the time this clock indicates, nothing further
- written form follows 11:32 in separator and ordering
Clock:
9:26
